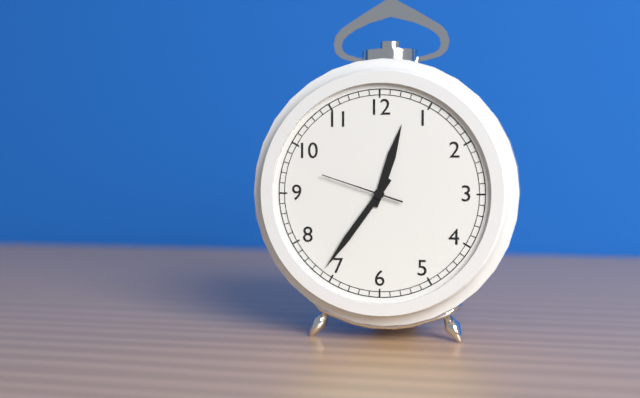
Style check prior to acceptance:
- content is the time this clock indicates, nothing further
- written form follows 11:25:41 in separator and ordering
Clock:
12:36:48
